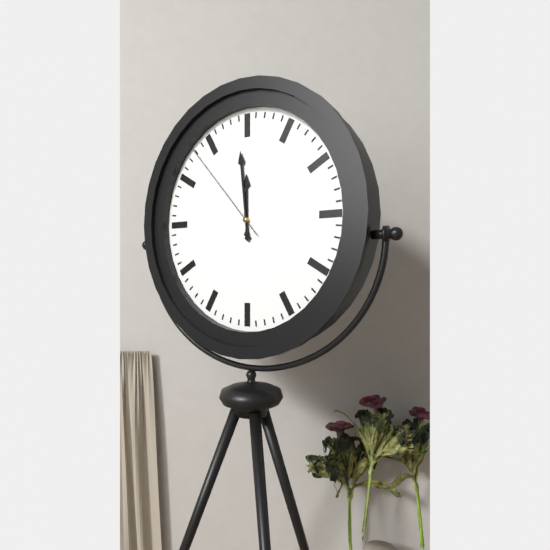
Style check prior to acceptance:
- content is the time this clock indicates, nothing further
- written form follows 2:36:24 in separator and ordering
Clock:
11:59:53
